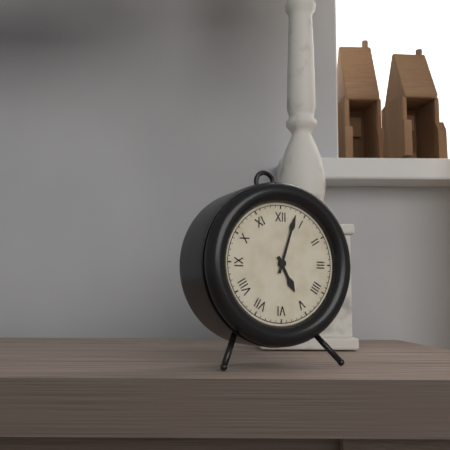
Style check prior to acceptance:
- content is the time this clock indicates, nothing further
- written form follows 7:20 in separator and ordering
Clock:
5:03
